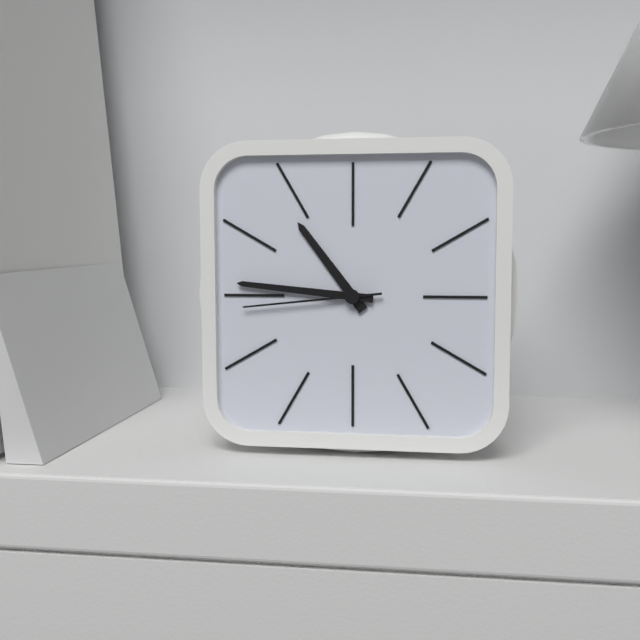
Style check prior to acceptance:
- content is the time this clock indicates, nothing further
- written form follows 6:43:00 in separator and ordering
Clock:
10:46:44
